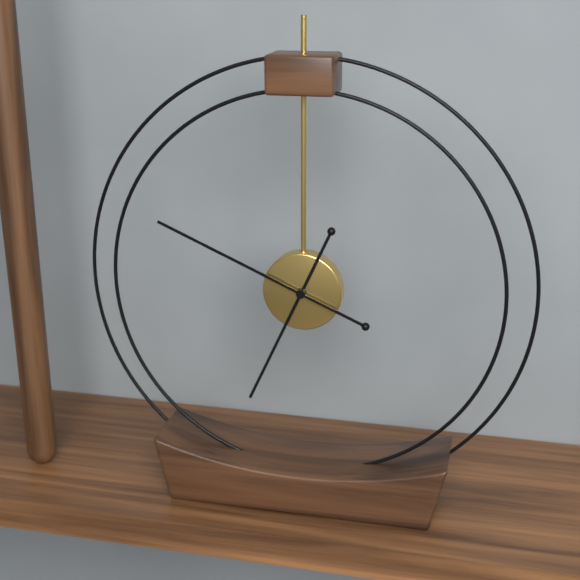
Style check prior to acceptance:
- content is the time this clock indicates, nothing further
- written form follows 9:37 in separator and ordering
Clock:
6:49
